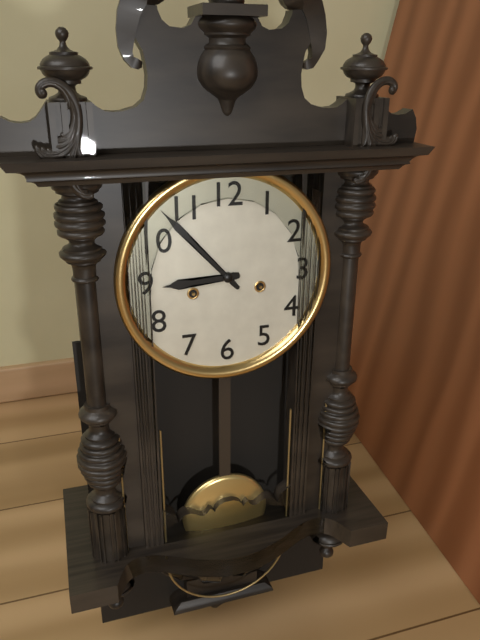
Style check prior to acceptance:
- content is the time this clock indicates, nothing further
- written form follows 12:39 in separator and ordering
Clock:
8:53
